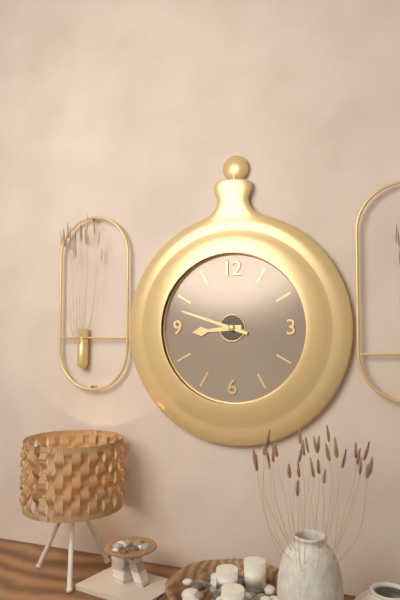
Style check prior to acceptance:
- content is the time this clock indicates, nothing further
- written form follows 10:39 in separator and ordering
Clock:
8:48
